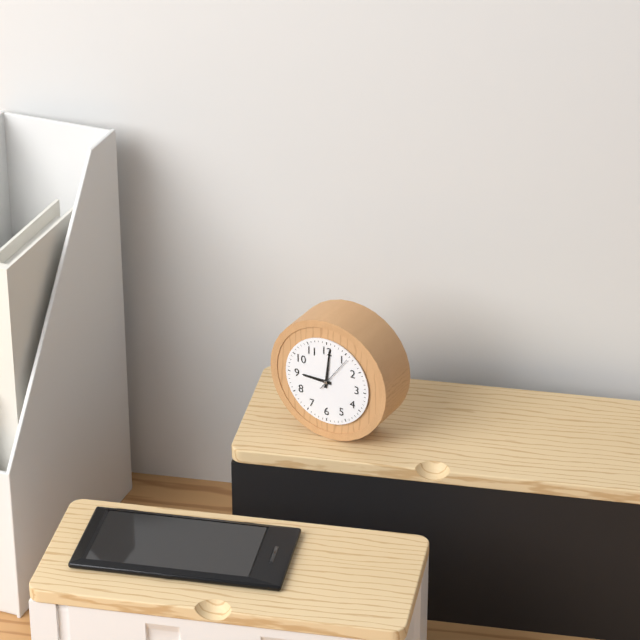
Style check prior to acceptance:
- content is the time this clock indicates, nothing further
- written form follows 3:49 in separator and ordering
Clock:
9:01
